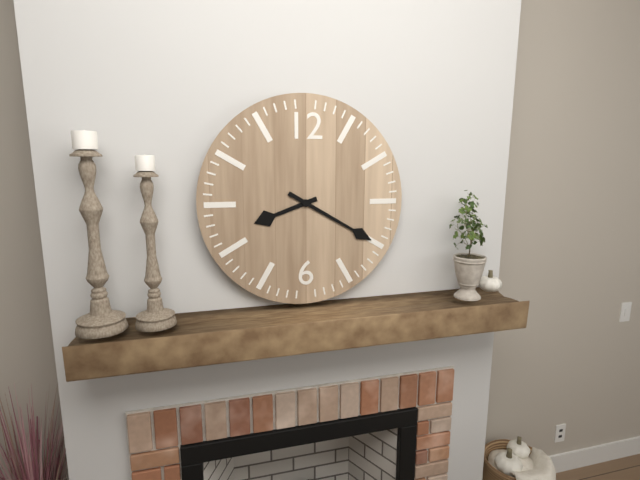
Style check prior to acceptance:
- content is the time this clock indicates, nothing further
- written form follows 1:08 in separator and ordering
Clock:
8:20
